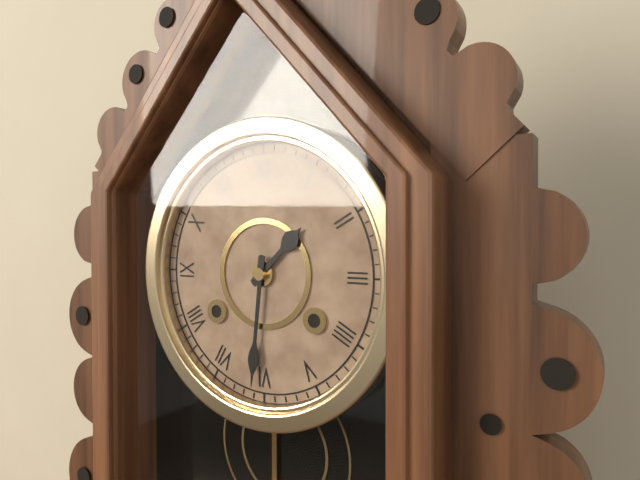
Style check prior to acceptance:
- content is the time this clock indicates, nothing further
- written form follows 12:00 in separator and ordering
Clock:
1:31
